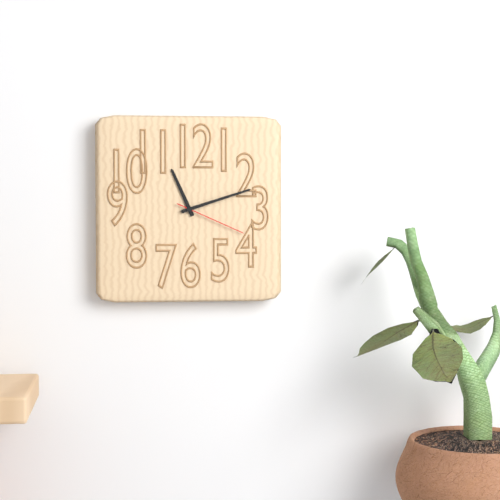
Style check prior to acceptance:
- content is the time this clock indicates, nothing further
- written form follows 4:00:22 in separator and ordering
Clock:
11:12:19
